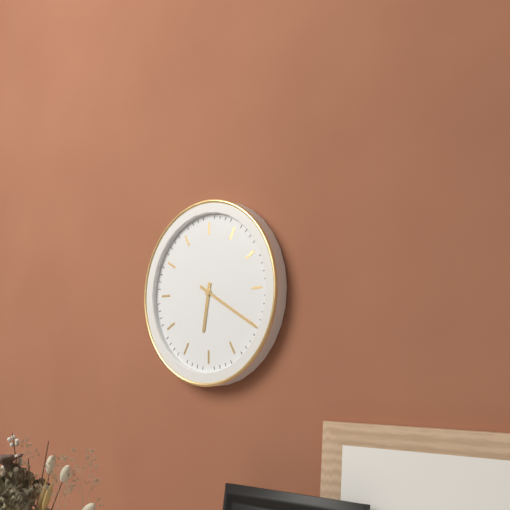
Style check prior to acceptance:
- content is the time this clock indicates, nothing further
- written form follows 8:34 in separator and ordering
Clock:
6:20
